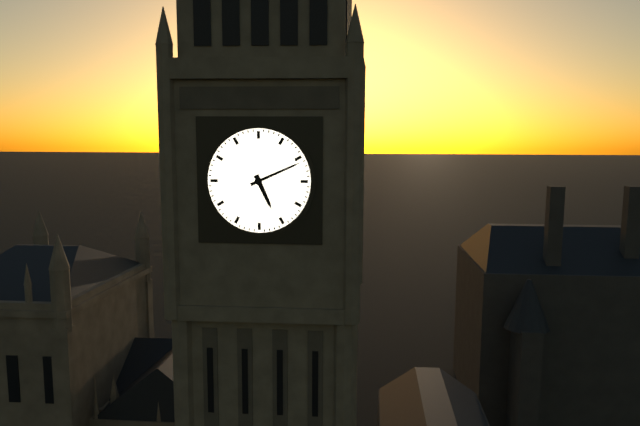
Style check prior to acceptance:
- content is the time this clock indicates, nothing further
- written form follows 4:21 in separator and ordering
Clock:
5:11
